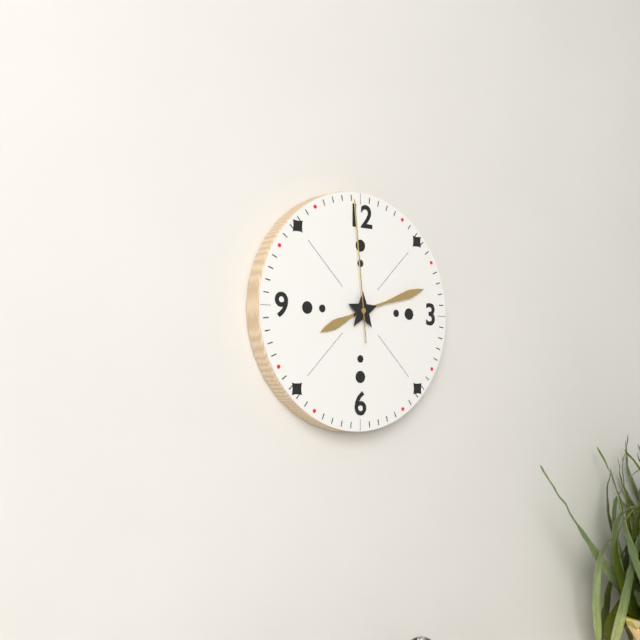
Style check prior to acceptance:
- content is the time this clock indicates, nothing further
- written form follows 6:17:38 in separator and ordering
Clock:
8:12:59
